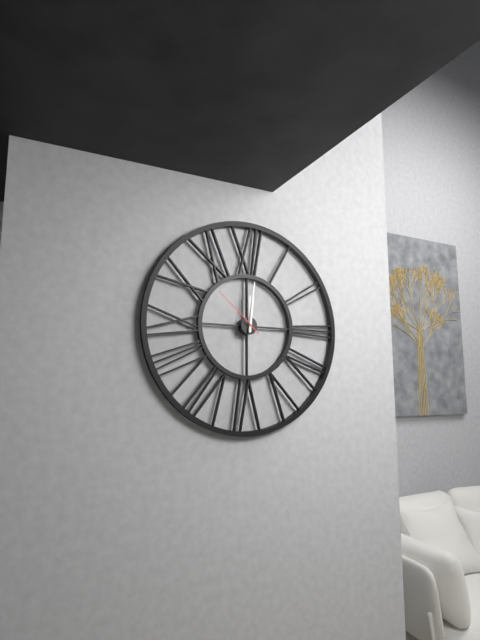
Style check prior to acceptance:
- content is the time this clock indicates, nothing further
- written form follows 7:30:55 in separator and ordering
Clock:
12:01:52
